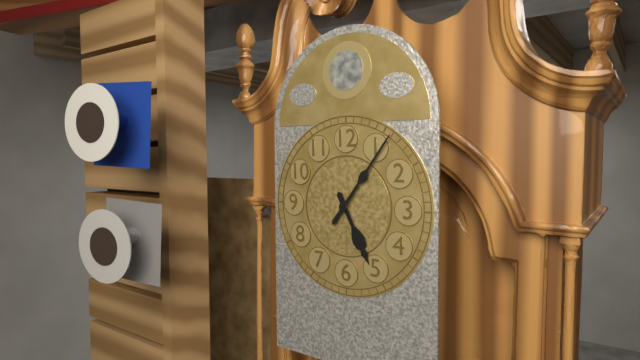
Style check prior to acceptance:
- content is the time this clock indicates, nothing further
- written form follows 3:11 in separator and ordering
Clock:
5:06
